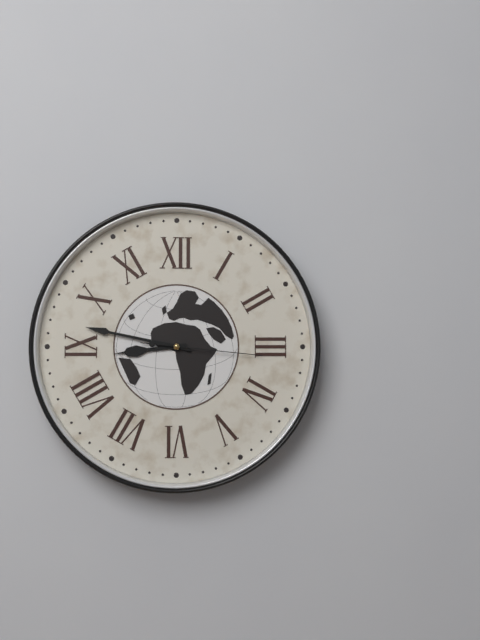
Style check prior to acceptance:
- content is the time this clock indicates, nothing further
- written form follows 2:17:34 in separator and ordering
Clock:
8:47:16
